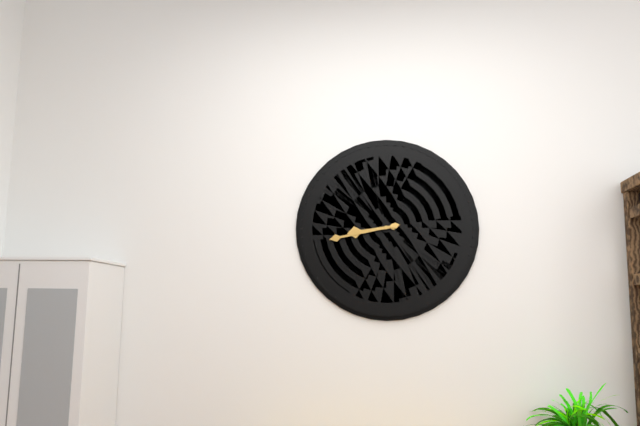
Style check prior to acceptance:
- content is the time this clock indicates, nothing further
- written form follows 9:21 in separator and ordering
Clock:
8:43
